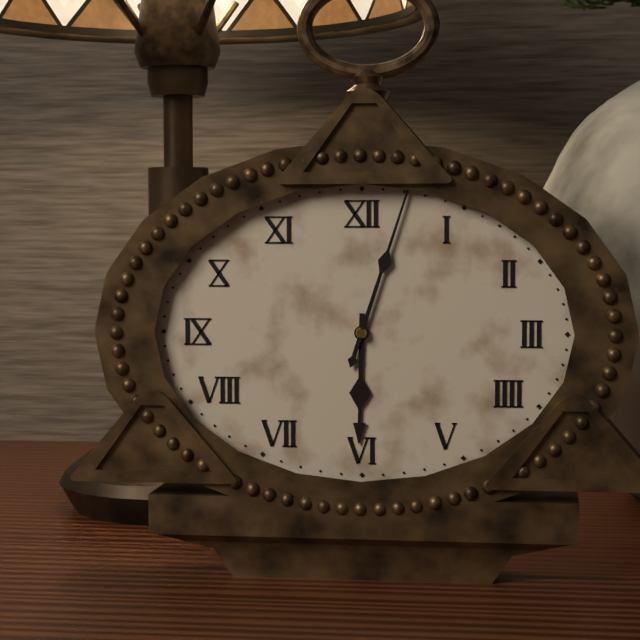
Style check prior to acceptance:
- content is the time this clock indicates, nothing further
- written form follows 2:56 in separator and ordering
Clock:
6:03
